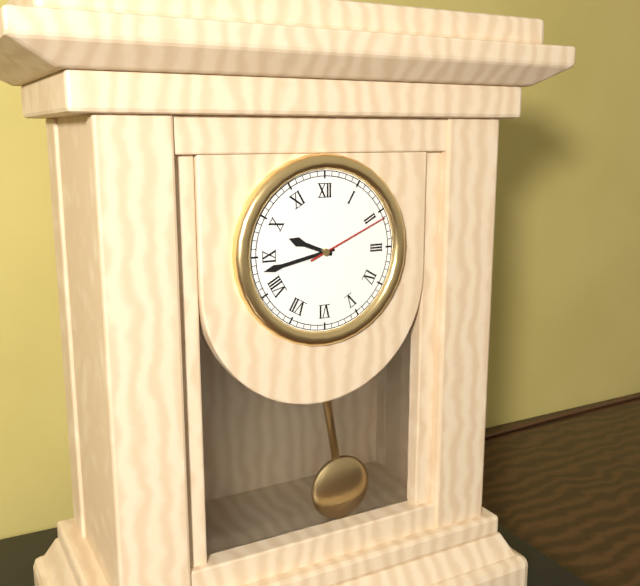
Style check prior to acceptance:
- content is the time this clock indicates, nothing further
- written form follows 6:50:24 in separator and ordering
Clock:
9:43:11
